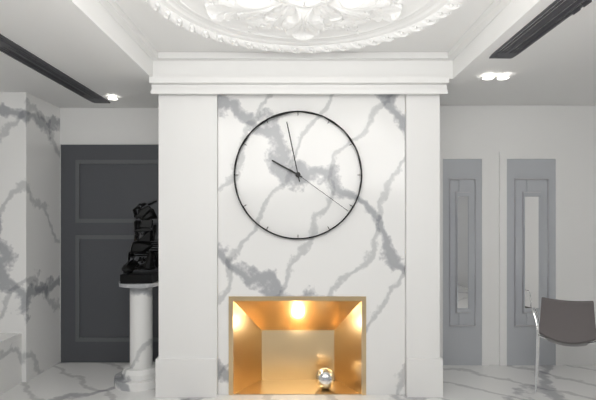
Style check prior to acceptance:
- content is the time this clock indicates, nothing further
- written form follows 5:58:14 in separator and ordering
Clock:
9:58:21
